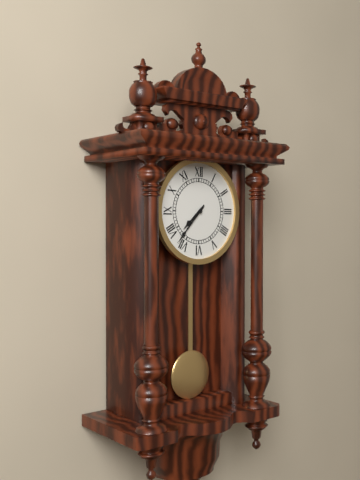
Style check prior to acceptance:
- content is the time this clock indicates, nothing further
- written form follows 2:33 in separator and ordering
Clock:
7:37
